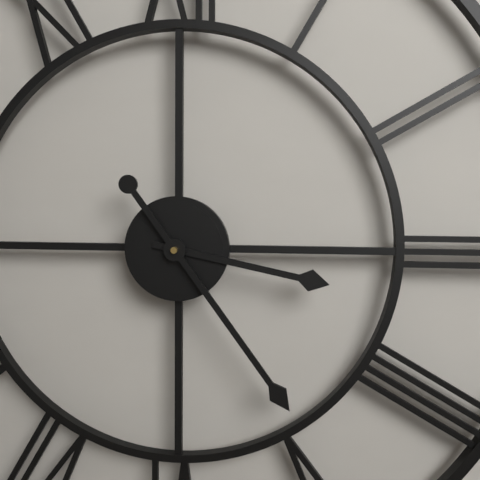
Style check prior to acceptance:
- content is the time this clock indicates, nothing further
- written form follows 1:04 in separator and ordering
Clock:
3:24
